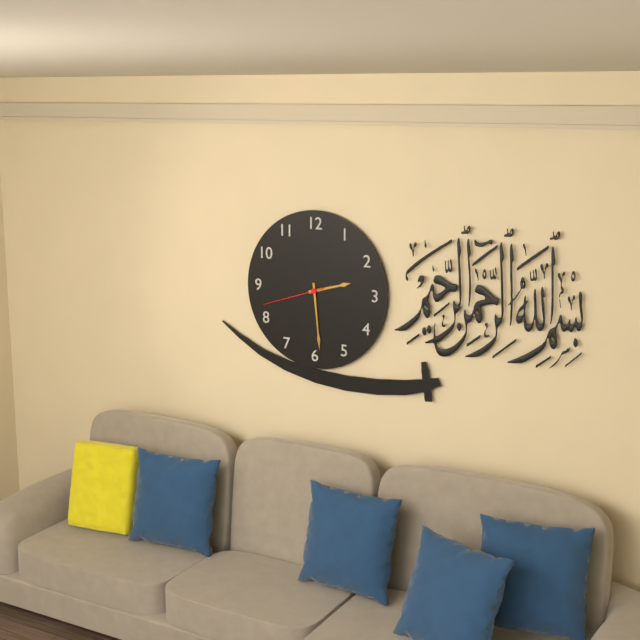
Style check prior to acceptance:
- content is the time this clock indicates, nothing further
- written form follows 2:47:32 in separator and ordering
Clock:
2:29:42
